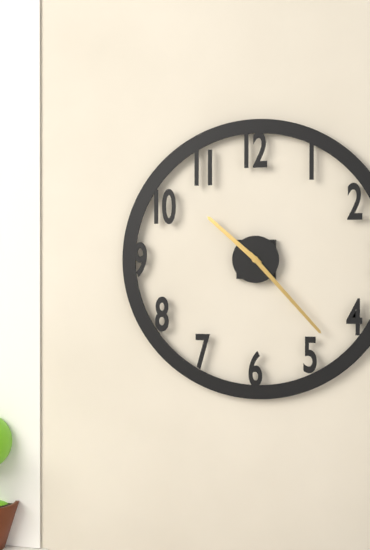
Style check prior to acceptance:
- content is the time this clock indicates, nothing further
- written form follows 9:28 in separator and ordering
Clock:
10:23
